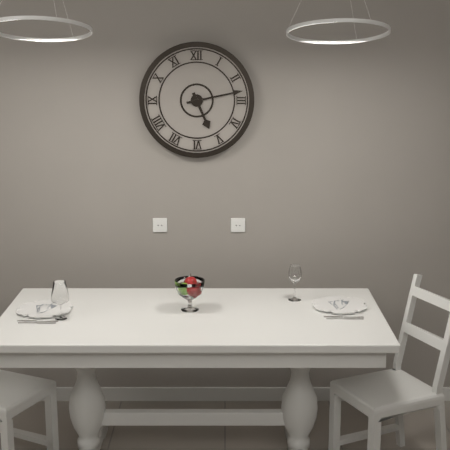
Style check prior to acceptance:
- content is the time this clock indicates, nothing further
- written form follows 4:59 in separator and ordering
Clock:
5:13
